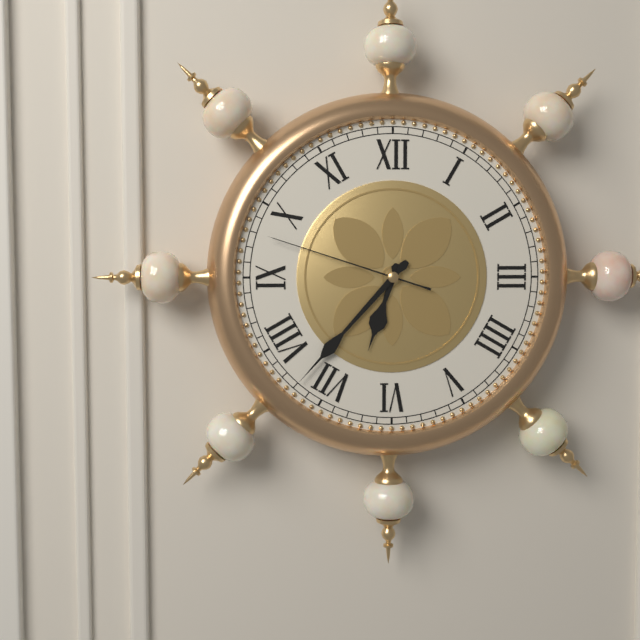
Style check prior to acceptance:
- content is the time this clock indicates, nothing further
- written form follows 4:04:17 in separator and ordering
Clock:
6:37:48
